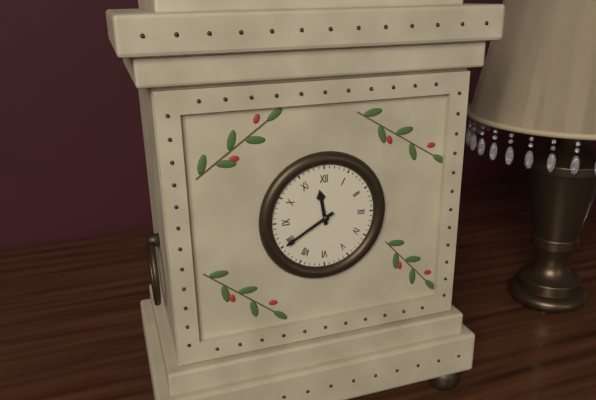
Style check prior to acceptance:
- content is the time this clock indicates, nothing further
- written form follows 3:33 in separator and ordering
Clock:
11:40
